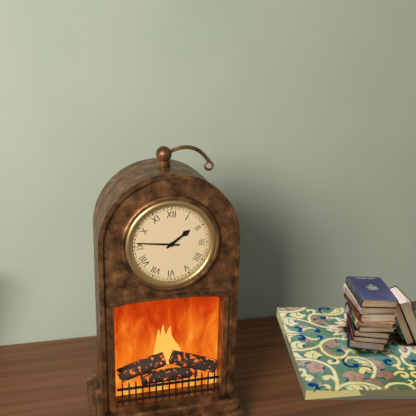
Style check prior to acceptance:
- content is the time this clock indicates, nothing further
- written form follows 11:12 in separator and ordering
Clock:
1:46
